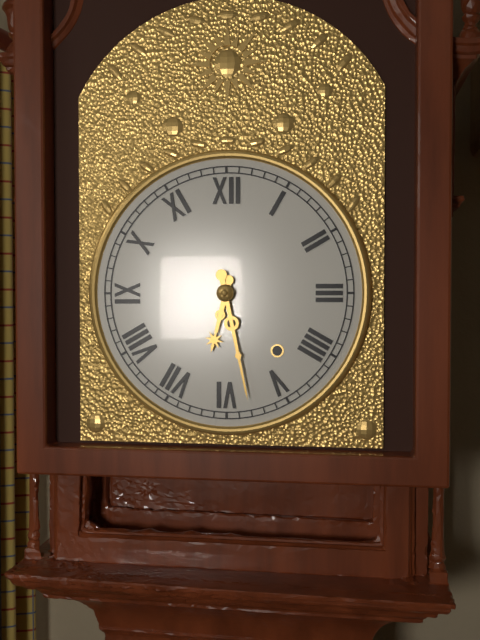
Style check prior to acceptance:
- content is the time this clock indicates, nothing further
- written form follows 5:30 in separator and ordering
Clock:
6:28
